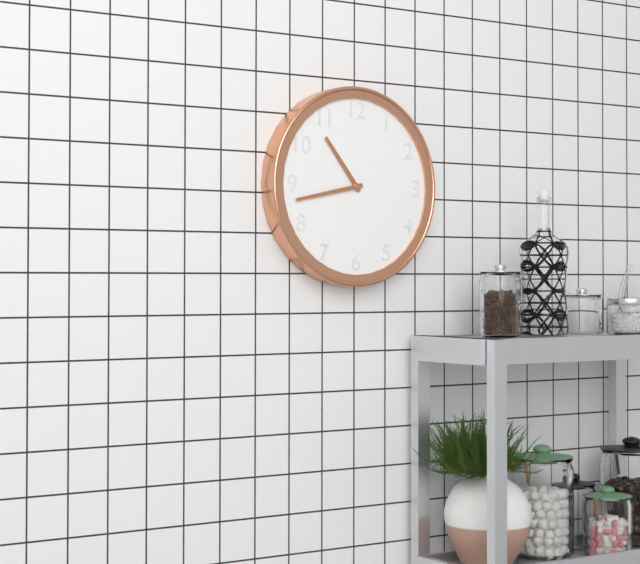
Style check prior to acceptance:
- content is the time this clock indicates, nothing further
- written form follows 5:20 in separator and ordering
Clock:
10:43
